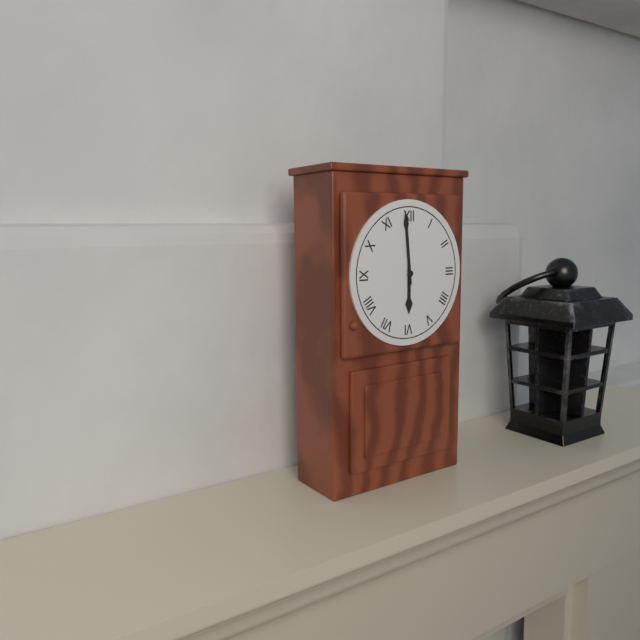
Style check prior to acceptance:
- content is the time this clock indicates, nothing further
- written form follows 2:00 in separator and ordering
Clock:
5:59
